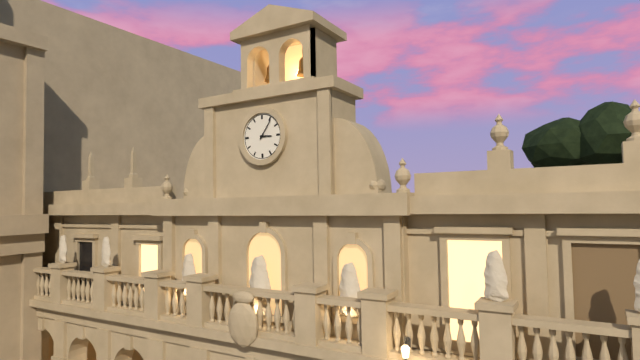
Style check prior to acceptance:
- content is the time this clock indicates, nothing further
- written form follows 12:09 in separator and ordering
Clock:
3:06
